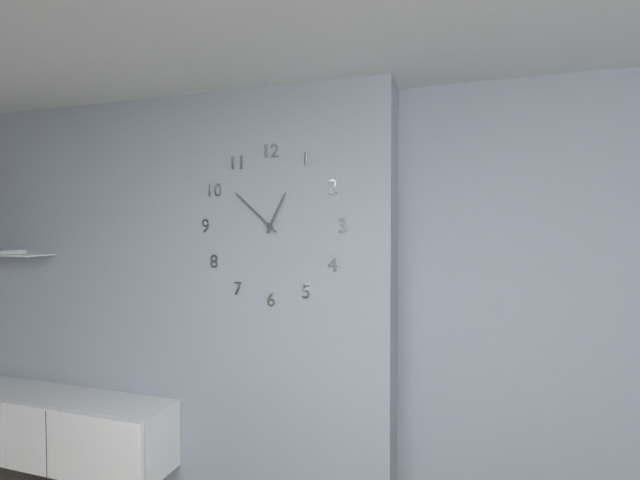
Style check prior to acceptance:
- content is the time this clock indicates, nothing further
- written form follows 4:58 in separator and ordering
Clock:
12:52
